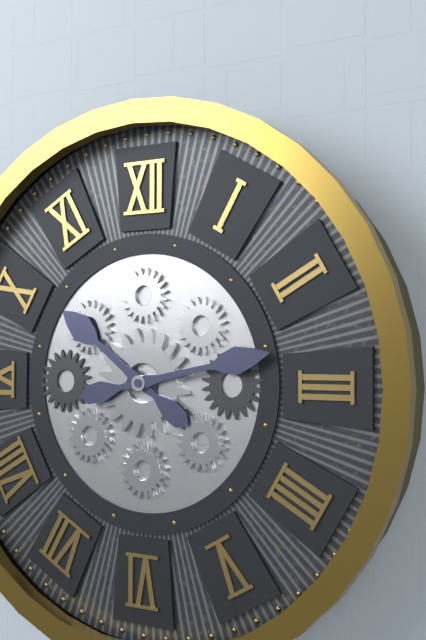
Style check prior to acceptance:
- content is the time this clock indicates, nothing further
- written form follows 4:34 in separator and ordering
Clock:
10:13
